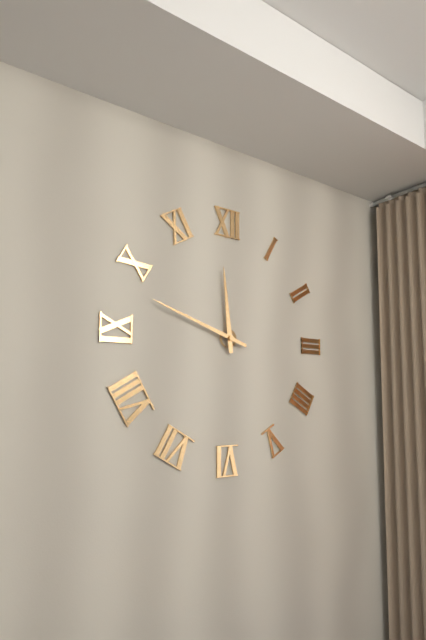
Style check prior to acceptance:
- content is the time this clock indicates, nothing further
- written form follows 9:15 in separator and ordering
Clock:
11:48
